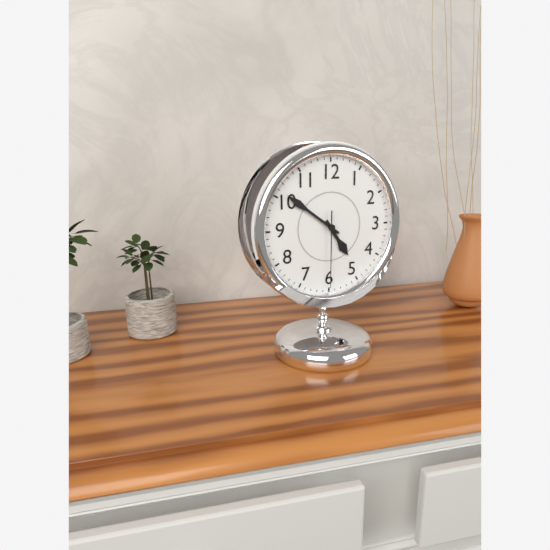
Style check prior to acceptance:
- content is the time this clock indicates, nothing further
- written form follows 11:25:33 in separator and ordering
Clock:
4:51:30
